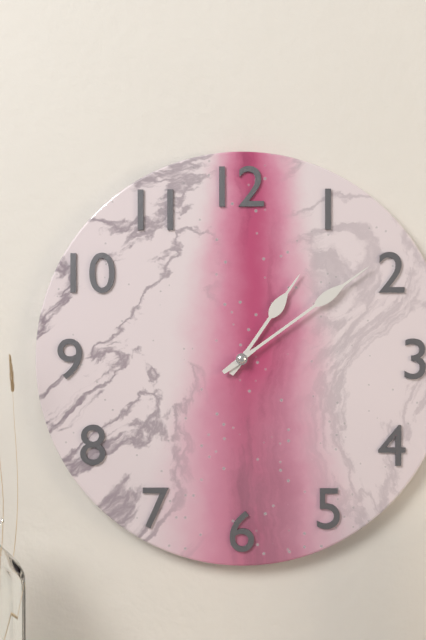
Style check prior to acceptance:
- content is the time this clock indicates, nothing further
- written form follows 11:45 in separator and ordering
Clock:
1:09
